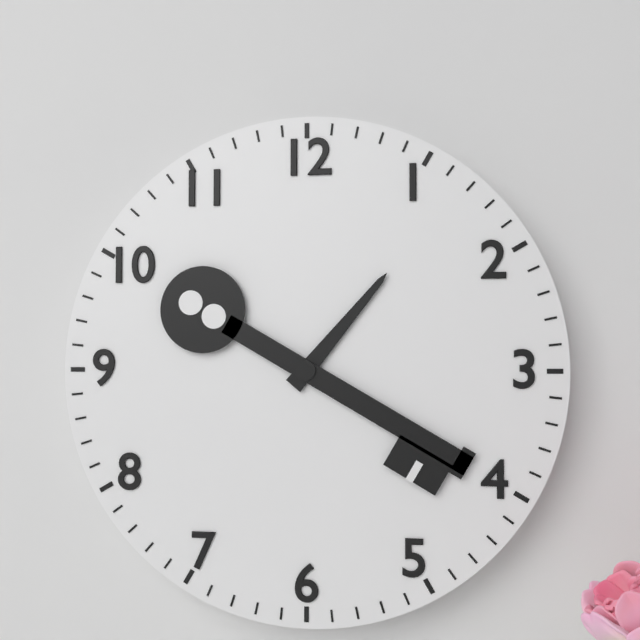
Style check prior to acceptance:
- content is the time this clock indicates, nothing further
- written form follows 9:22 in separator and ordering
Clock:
1:20
